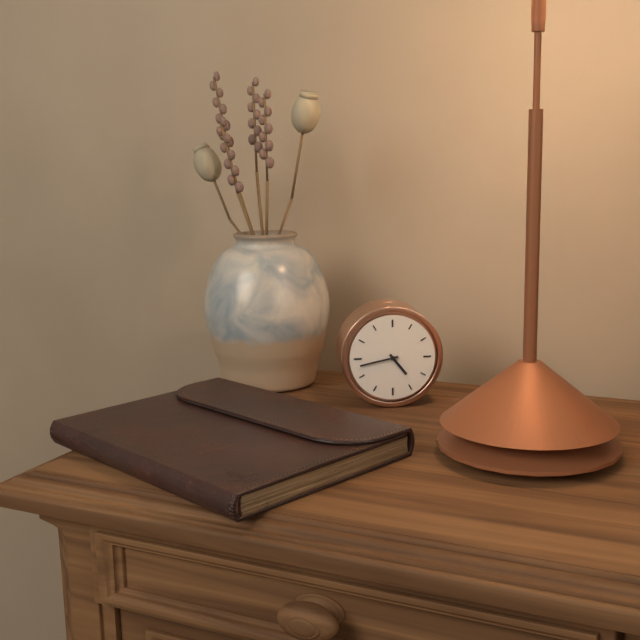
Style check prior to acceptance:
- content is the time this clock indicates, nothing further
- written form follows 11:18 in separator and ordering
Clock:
4:43
